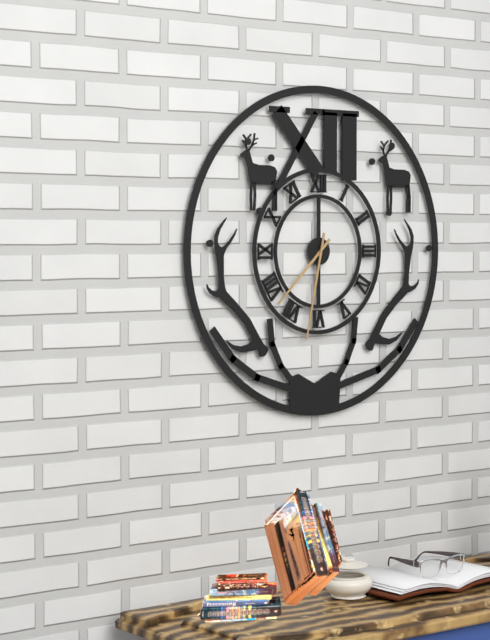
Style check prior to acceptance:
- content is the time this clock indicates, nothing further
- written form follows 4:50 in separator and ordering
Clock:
7:32
